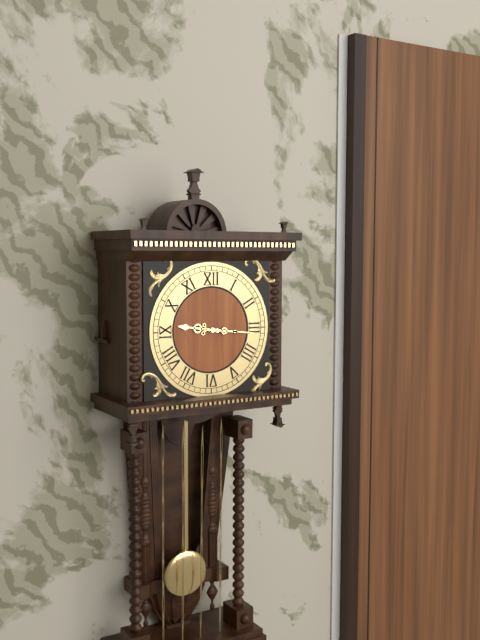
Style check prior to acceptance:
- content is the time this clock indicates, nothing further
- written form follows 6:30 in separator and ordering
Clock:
9:16
